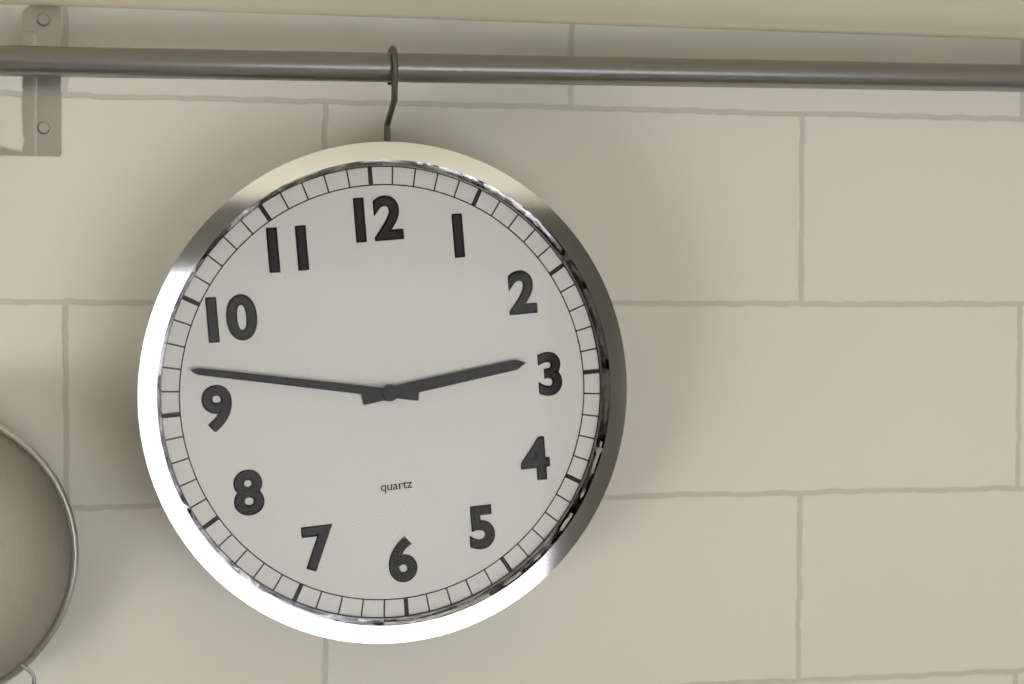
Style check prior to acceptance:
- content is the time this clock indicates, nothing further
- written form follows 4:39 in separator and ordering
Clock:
2:47
